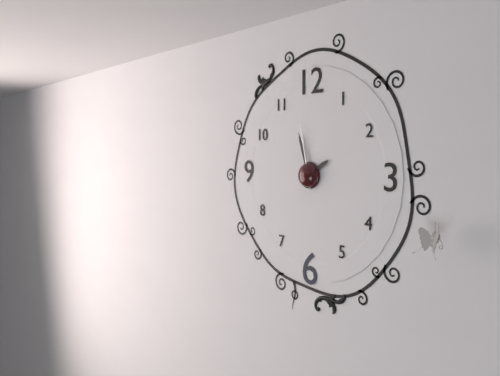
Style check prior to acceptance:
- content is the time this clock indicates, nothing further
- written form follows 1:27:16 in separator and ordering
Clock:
1:57:58
